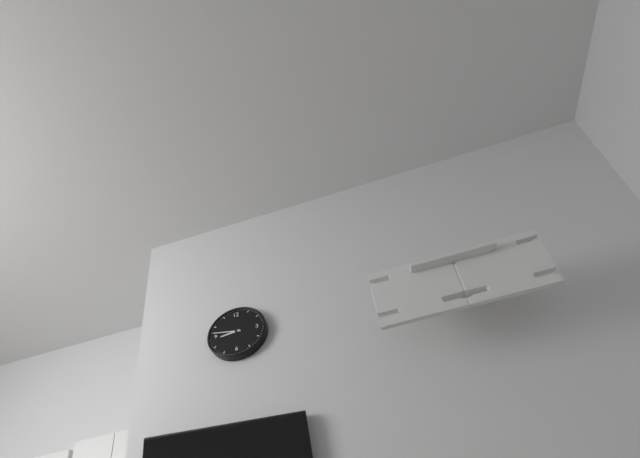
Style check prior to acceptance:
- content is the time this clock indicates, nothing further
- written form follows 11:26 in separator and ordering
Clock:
8:47
